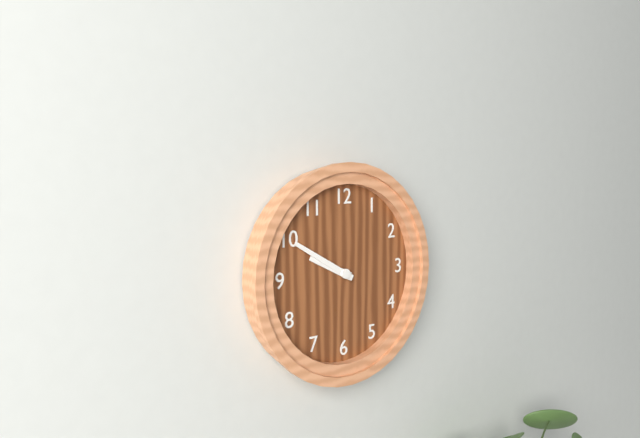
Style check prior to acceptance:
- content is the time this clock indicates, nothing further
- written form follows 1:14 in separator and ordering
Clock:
9:50
